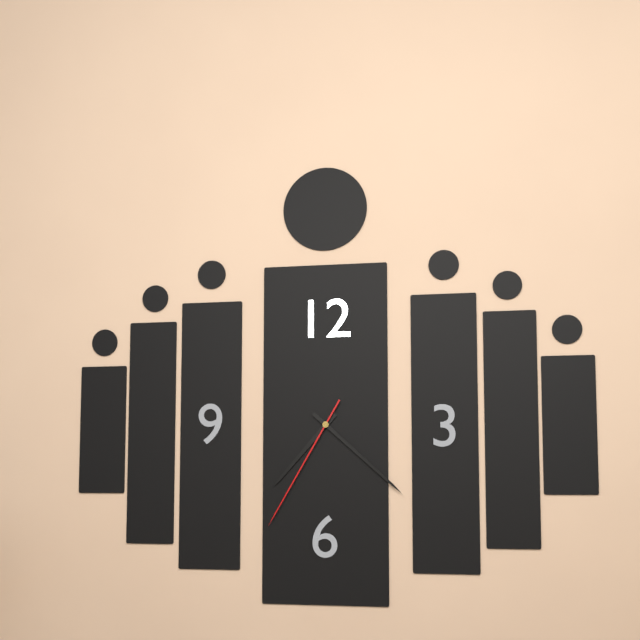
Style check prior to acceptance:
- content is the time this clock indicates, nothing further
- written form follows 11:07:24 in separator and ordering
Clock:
7:22:35
